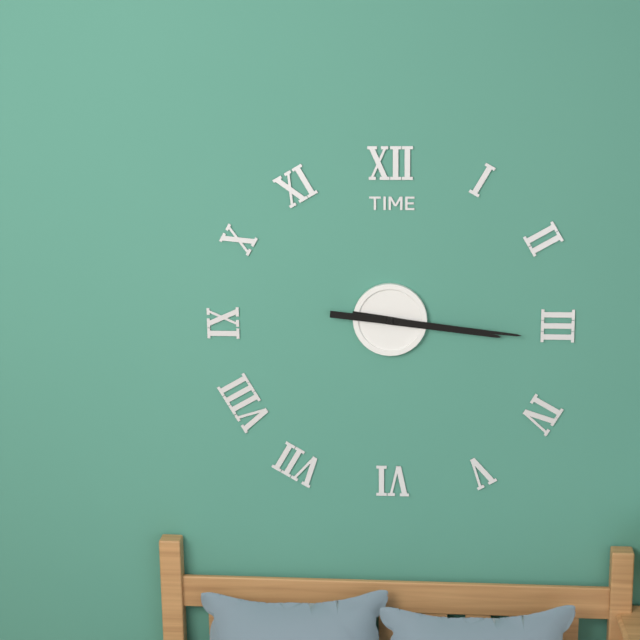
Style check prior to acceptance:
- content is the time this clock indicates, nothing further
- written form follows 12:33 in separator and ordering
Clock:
3:16
